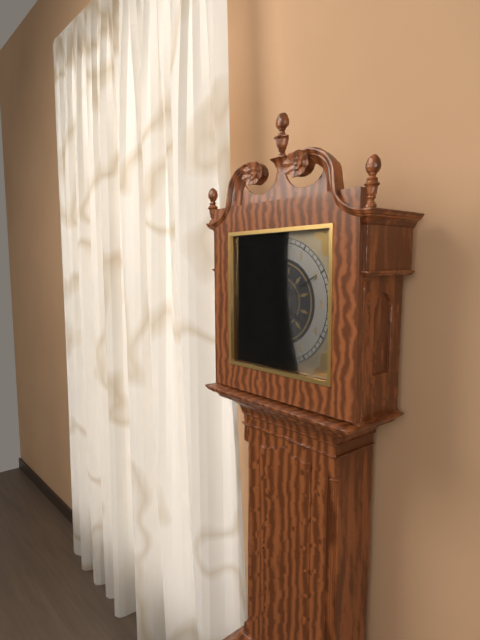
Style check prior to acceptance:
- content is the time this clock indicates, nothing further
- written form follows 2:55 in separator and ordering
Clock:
4:10
